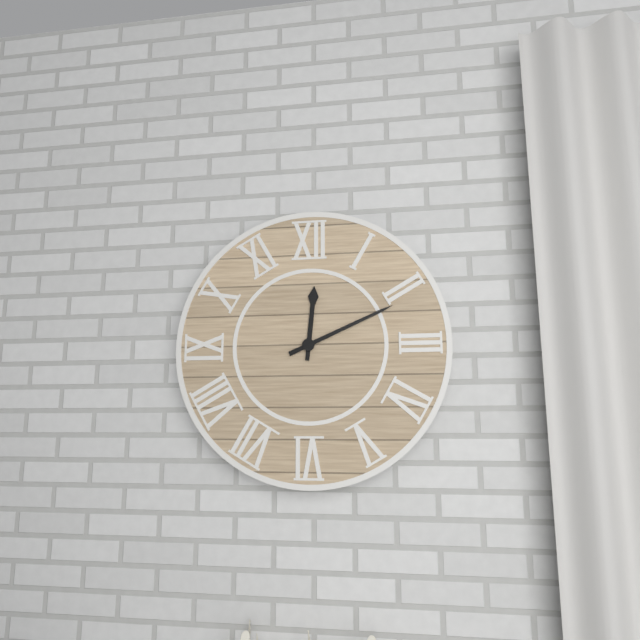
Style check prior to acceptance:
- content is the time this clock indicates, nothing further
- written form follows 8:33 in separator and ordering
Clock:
12:11
